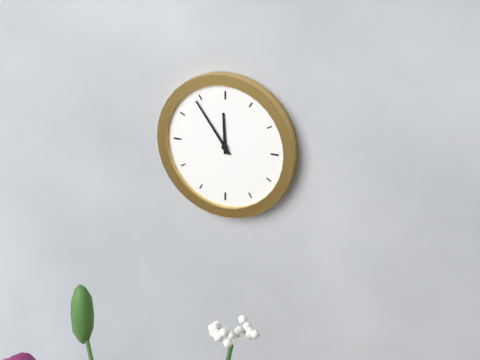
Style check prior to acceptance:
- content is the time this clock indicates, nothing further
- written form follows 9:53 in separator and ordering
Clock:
11:54
